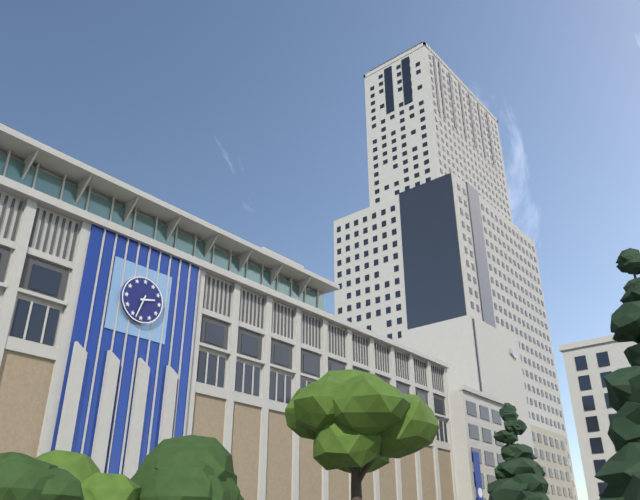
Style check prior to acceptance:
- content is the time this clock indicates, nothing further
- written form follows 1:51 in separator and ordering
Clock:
2:33
